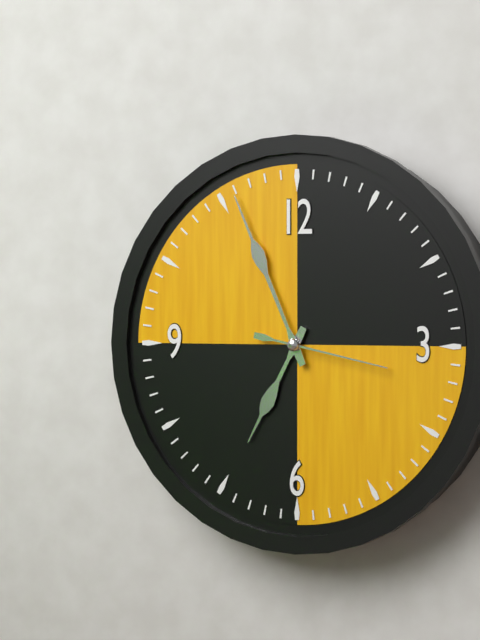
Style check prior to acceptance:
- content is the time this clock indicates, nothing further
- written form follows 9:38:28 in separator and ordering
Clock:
6:56:17
